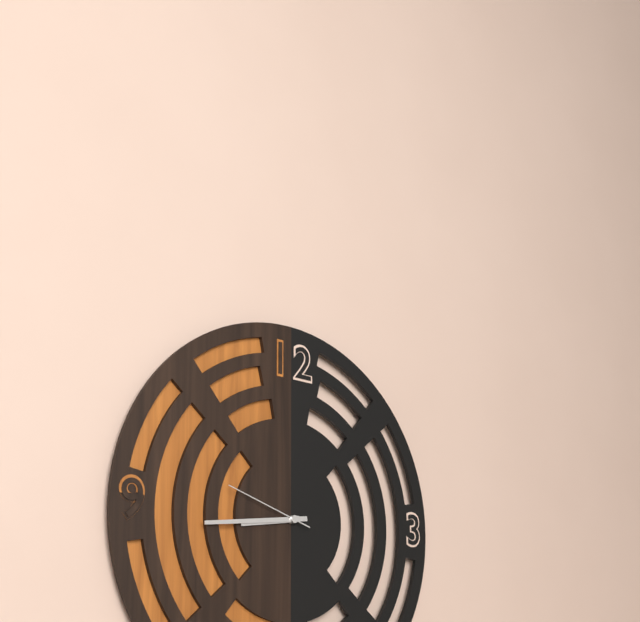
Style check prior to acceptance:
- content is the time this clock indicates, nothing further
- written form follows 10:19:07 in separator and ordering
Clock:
8:44:48
